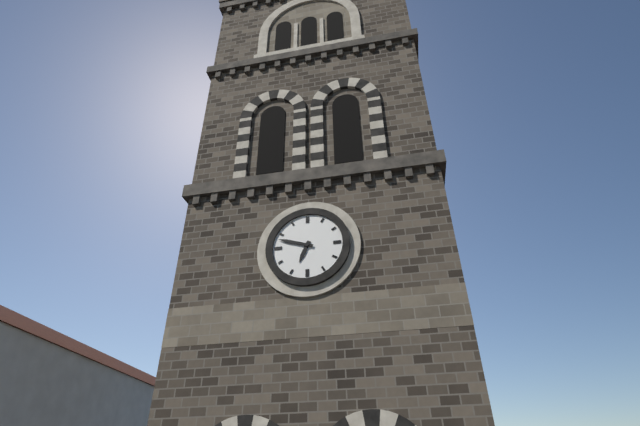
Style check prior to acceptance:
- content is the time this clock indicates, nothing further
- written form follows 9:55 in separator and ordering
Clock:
6:48
